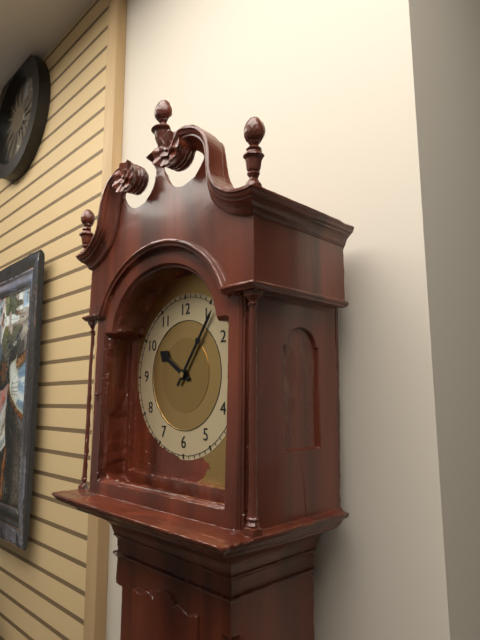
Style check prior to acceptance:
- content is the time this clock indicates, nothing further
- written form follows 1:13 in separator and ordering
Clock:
10:06
